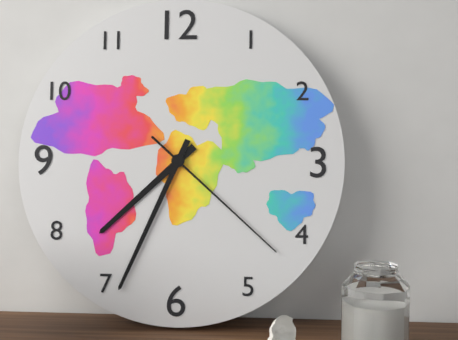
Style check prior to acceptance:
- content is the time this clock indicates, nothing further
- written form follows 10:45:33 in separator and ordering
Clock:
7:34:22
